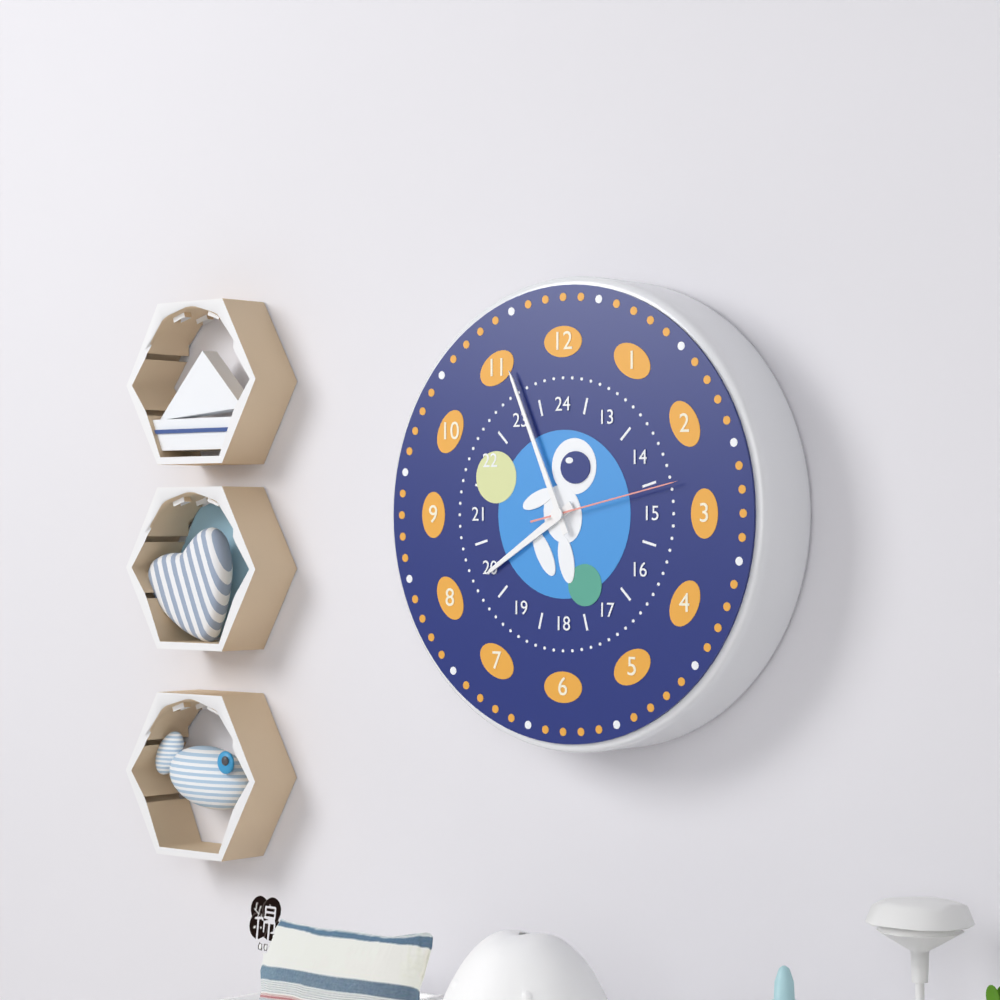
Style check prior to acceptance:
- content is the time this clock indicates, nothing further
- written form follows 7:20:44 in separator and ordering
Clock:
7:56:13
